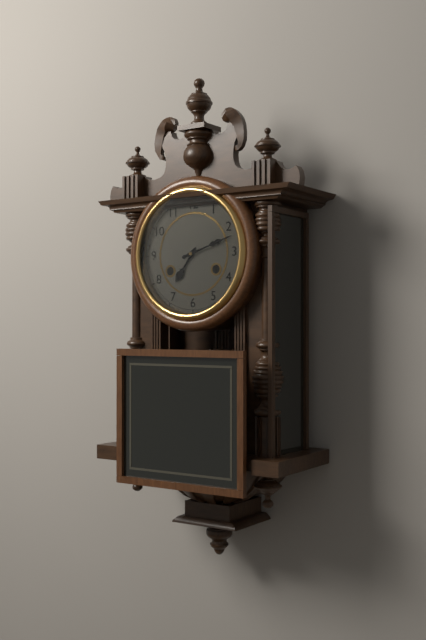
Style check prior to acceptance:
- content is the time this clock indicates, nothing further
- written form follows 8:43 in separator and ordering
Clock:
7:12
